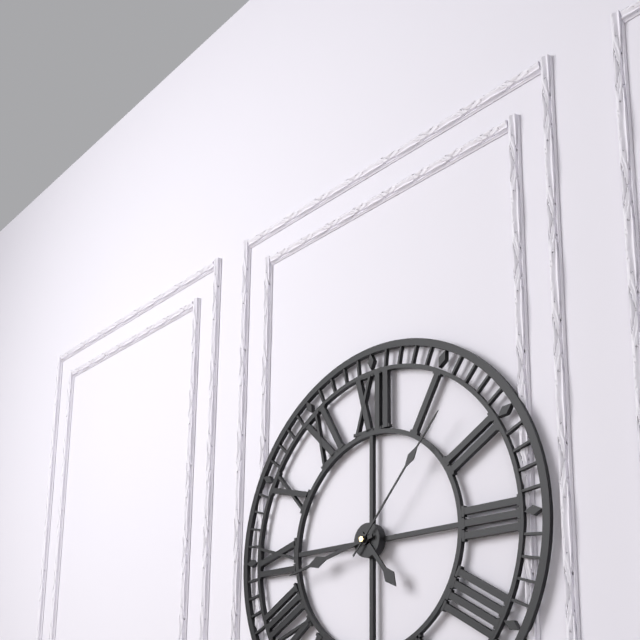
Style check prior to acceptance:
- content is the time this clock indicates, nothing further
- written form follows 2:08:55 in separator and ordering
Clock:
4:43:07
